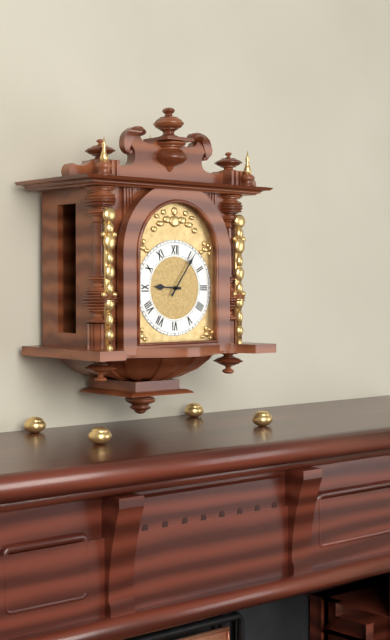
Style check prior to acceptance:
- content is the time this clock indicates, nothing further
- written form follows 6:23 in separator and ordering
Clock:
9:06
